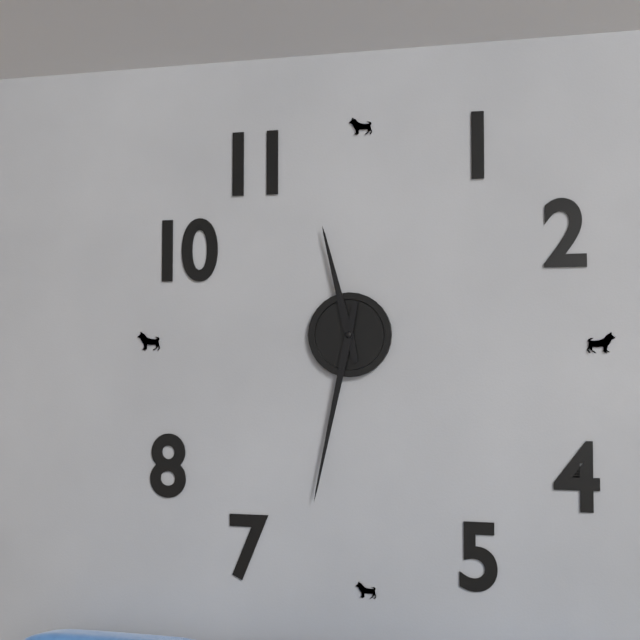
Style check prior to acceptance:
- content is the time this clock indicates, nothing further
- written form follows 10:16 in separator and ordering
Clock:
11:32
